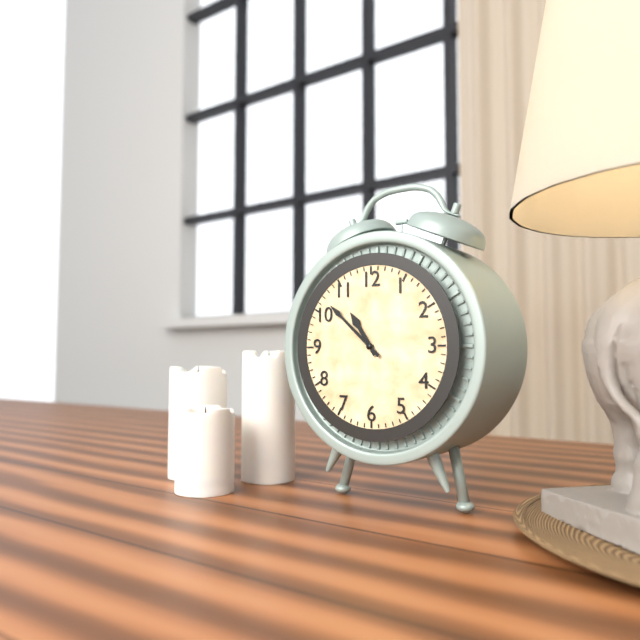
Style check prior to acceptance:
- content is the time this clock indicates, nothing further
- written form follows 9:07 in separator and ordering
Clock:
10:52
